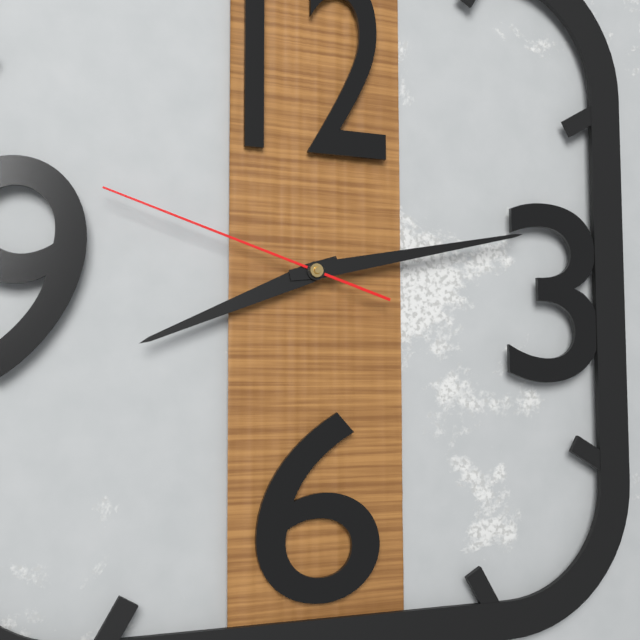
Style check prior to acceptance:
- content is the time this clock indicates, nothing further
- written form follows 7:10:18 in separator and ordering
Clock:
8:13:48
